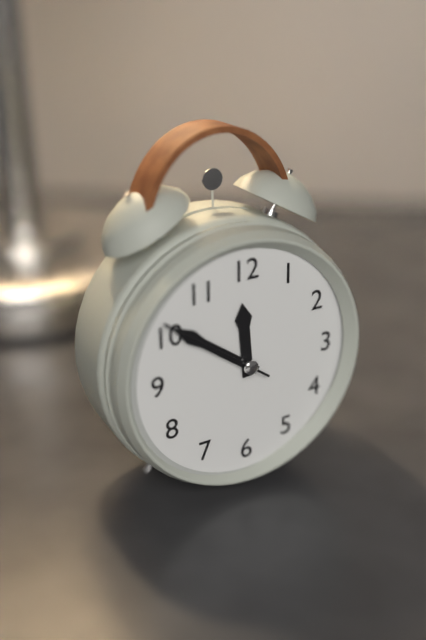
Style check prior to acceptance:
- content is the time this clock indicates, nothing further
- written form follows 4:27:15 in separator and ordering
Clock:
11:51:51
